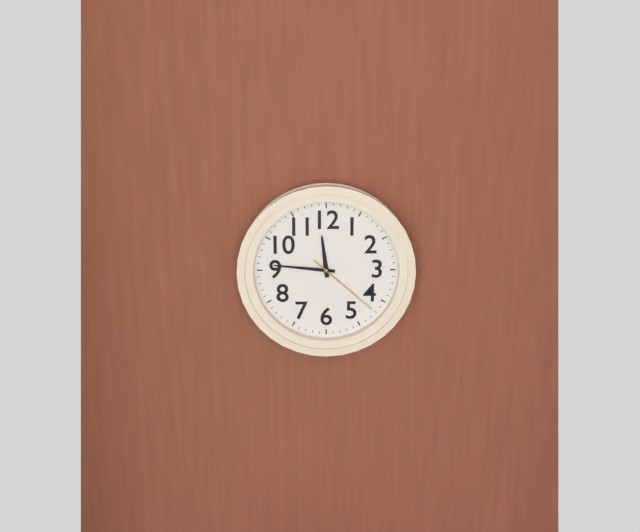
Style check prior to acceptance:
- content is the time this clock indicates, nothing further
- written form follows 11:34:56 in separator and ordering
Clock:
11:46:22
